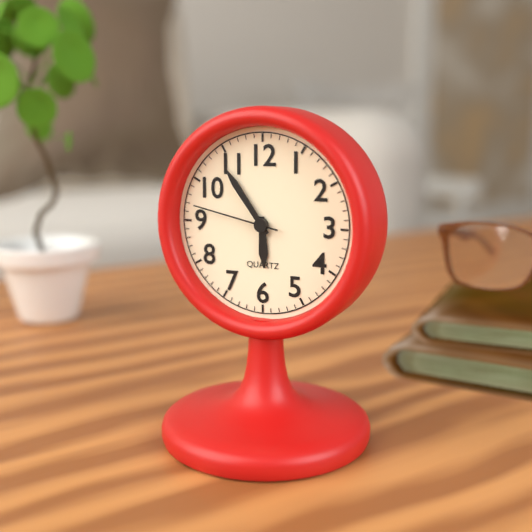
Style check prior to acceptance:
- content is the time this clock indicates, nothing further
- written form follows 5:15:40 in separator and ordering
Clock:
5:54:47
